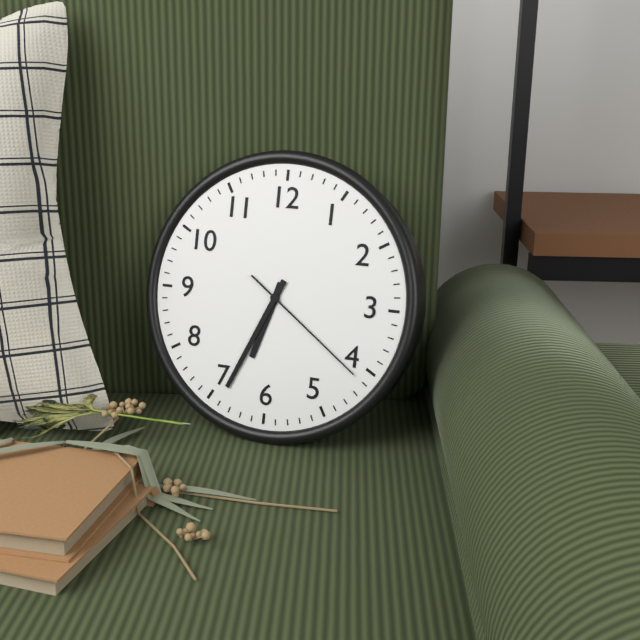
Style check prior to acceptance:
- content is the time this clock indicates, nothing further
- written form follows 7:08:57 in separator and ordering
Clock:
6:34:21
